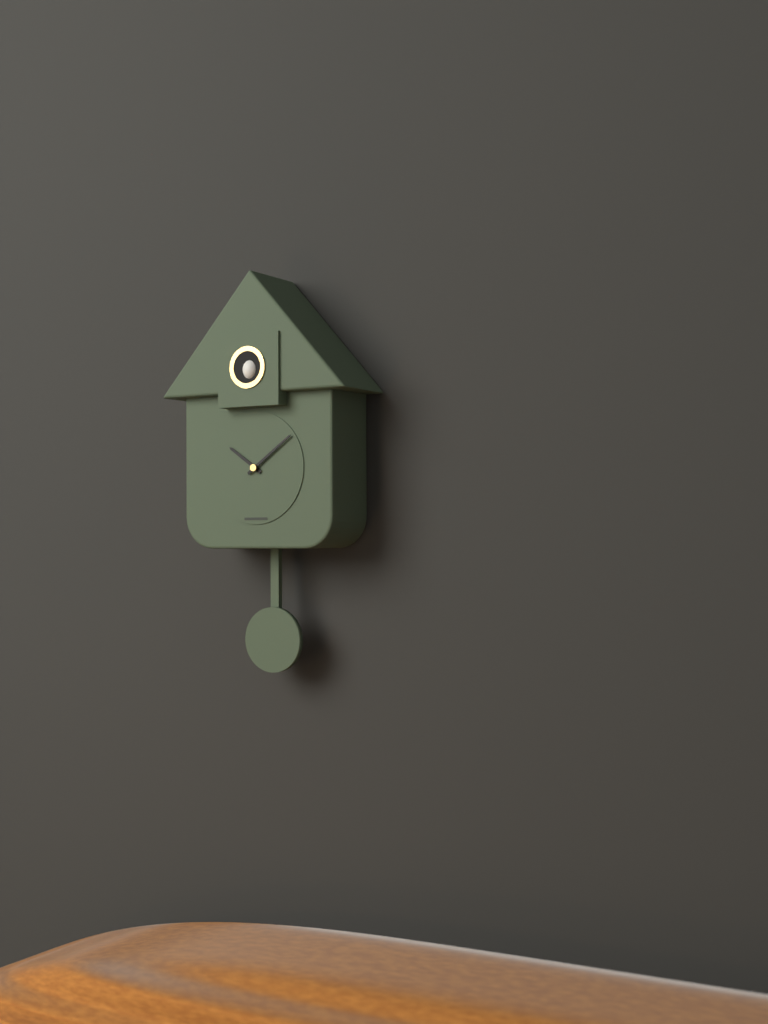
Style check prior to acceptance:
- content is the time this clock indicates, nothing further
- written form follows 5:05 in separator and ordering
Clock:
10:09
